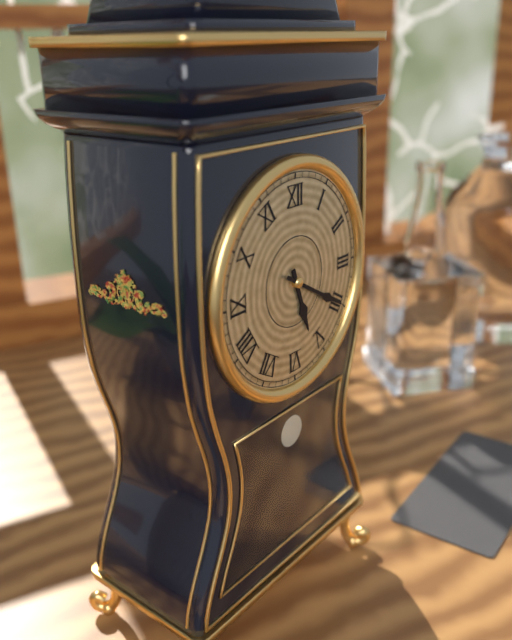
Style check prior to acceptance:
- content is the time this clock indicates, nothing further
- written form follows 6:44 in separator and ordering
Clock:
5:20
